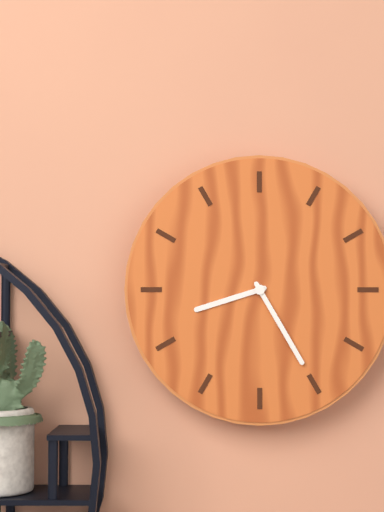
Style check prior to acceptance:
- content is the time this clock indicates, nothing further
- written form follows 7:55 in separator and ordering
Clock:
8:25
